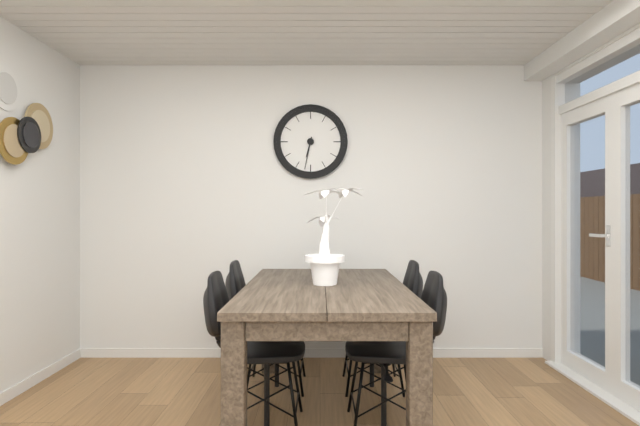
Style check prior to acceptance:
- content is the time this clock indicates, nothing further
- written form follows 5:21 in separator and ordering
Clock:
6:32
